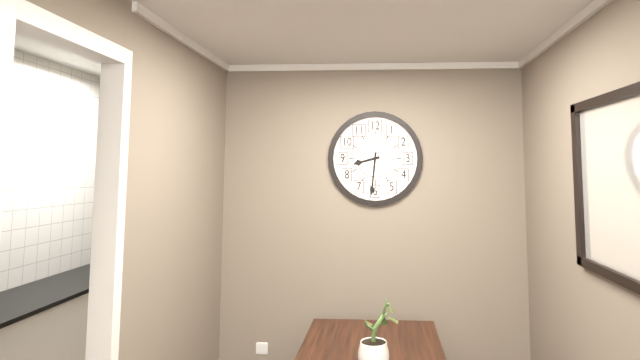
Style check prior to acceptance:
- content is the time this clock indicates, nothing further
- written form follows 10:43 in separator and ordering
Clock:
8:31
